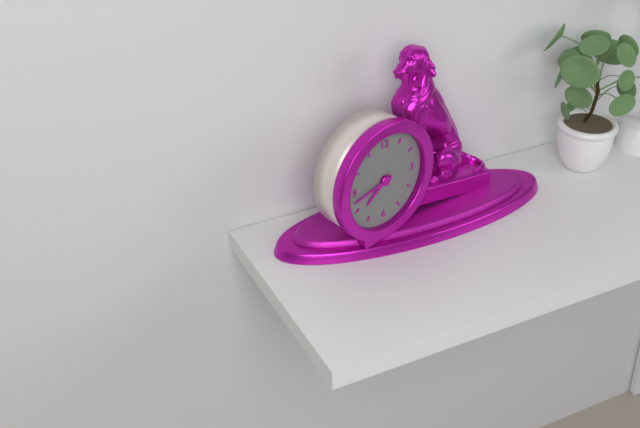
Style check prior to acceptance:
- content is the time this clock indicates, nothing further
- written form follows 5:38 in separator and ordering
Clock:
7:43
